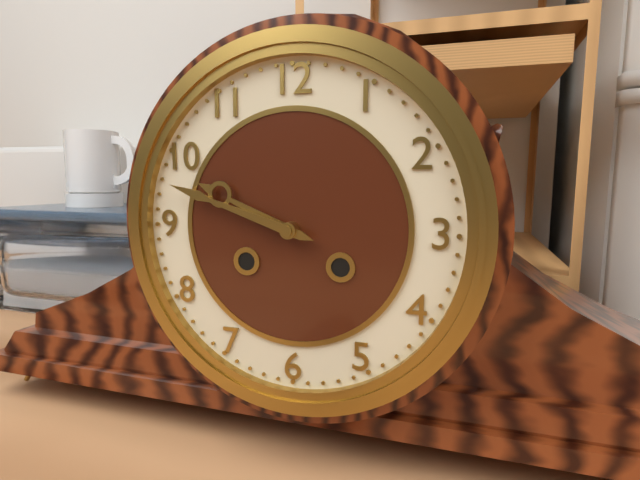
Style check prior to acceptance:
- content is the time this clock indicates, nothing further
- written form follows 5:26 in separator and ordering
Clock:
9:48
